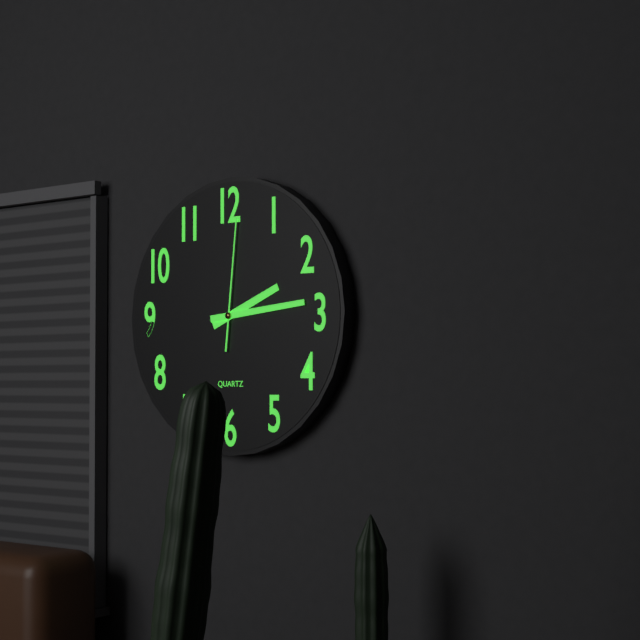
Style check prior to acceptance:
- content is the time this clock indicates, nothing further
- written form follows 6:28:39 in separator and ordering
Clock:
2:14:01
